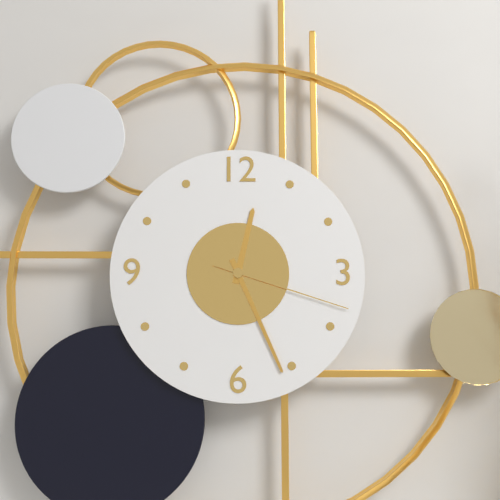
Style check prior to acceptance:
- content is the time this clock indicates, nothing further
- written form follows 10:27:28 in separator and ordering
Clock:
12:26:18
